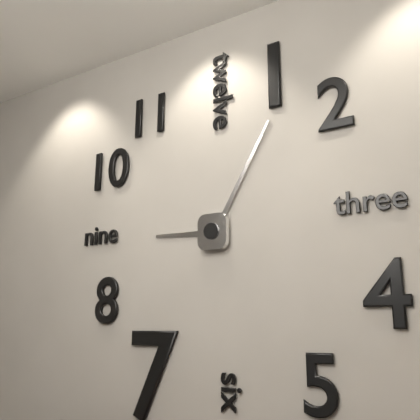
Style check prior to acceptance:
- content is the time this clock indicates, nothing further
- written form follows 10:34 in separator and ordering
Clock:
9:05
